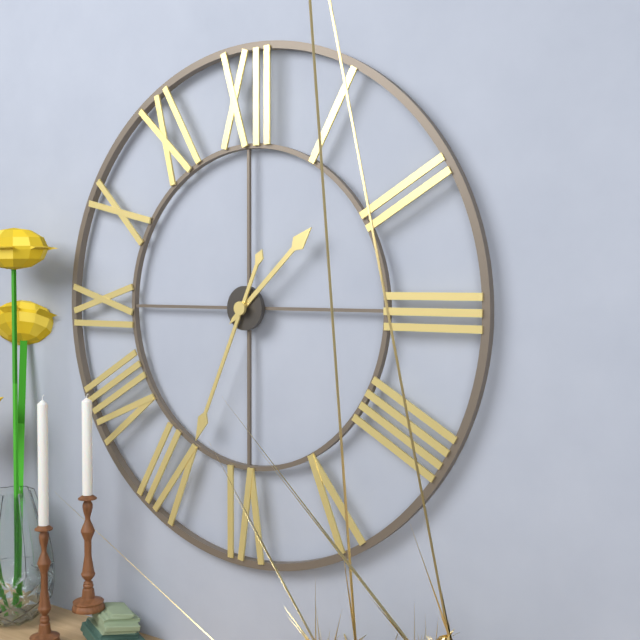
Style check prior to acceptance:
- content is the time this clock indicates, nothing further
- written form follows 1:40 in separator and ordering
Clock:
1:34
